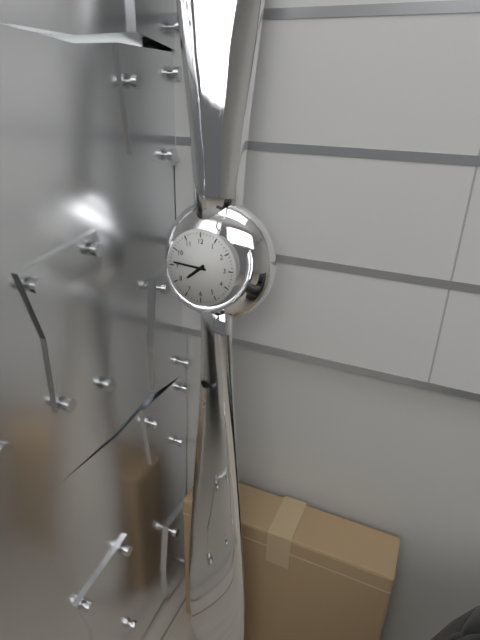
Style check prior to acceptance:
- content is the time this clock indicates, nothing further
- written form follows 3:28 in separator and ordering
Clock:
7:46
